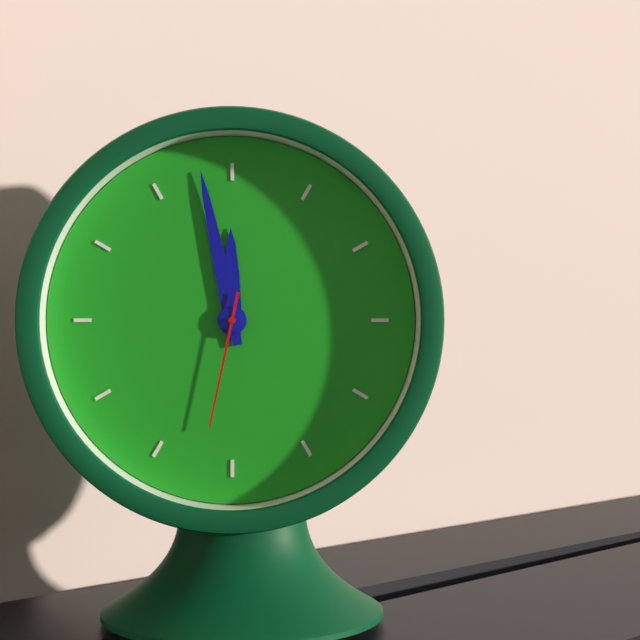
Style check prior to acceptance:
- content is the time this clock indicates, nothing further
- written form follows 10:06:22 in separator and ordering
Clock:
11:58:32
